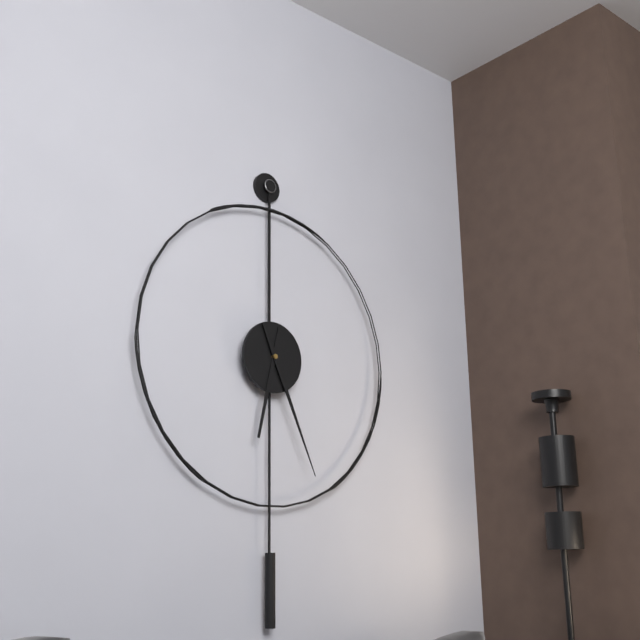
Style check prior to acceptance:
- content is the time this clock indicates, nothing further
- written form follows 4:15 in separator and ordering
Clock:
6:26
